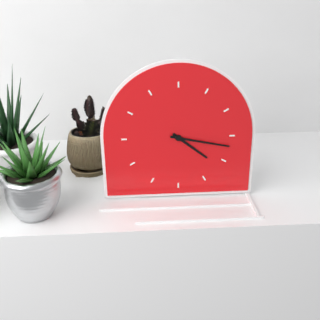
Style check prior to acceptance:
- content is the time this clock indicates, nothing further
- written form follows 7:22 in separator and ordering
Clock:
4:17
